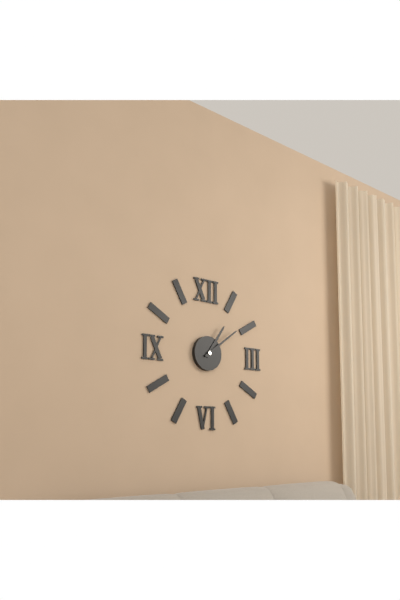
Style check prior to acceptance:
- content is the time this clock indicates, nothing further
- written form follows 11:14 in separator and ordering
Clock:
1:09
